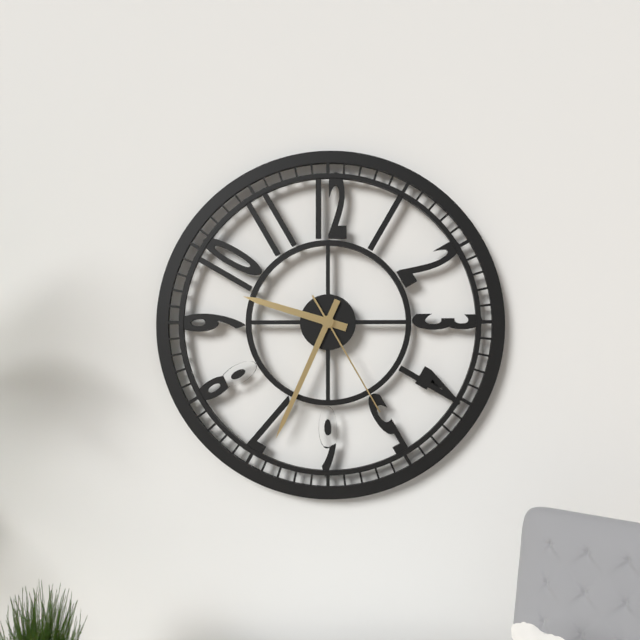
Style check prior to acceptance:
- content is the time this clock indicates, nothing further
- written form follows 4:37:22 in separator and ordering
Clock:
9:34:25
